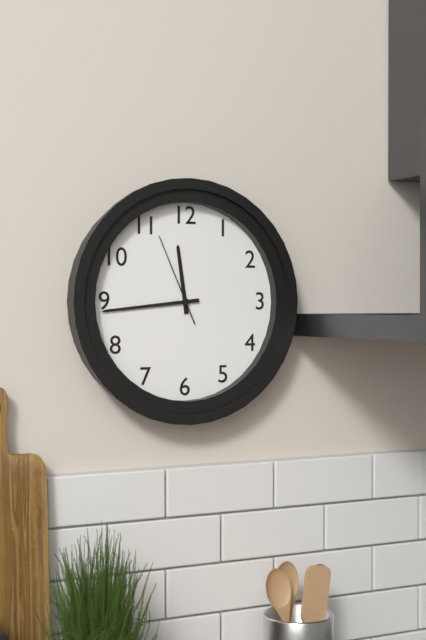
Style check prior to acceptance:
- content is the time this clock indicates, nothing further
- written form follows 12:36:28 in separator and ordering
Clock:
11:44:56
